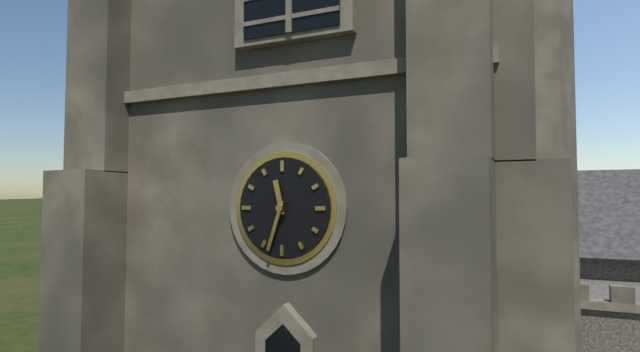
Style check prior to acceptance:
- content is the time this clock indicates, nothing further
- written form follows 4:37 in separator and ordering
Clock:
11:33
